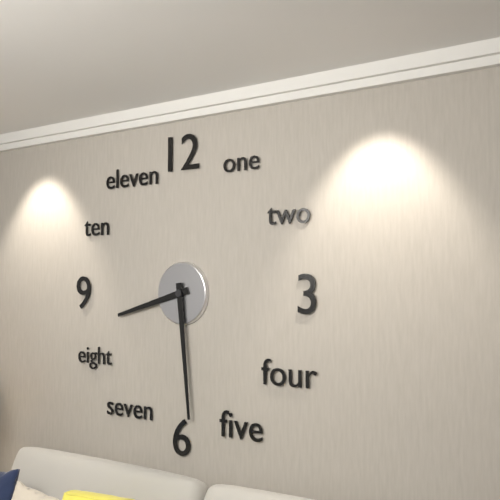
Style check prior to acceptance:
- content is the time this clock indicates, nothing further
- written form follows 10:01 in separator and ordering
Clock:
8:29
